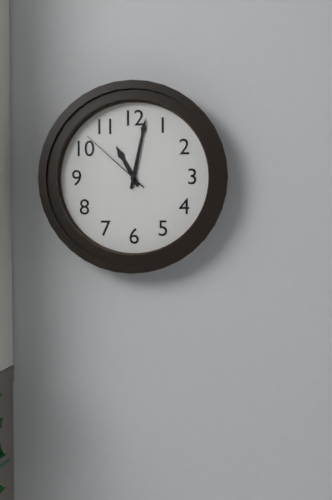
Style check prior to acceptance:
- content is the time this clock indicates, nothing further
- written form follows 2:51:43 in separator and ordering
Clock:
11:02:52
